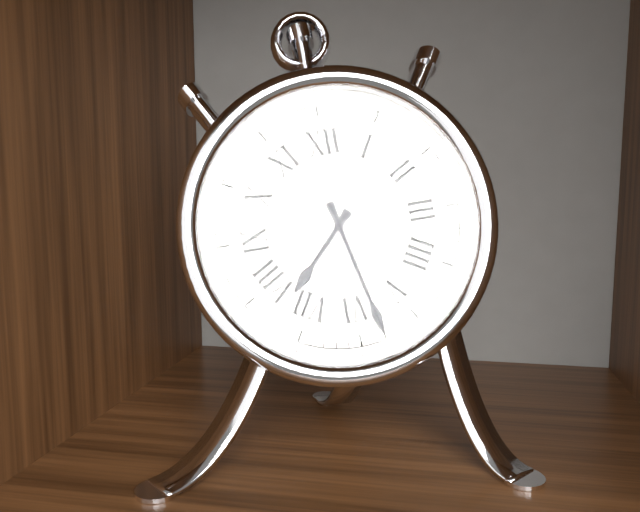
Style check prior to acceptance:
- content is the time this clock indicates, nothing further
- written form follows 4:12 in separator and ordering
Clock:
7:28
